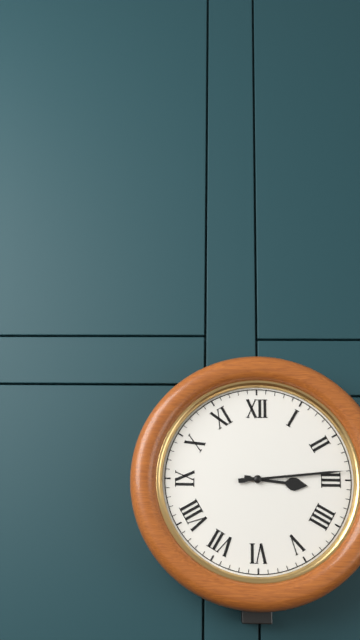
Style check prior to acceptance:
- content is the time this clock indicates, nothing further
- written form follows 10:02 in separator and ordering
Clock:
3:14
